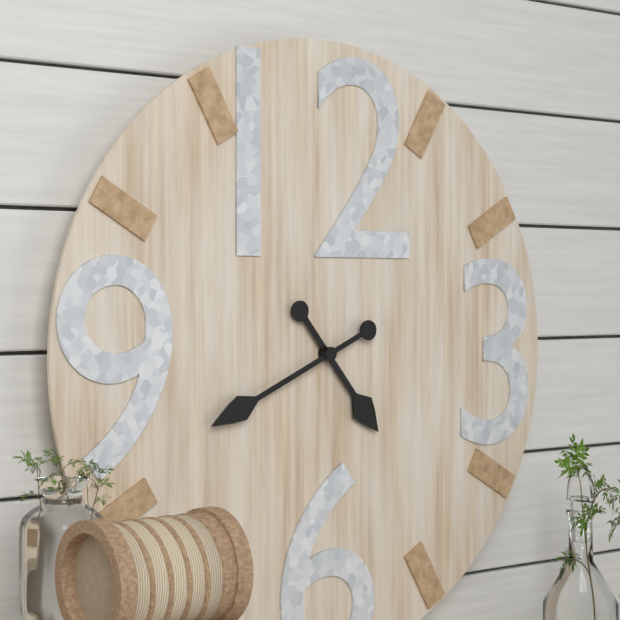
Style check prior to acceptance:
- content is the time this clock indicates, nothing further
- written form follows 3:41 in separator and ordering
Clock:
4:41
